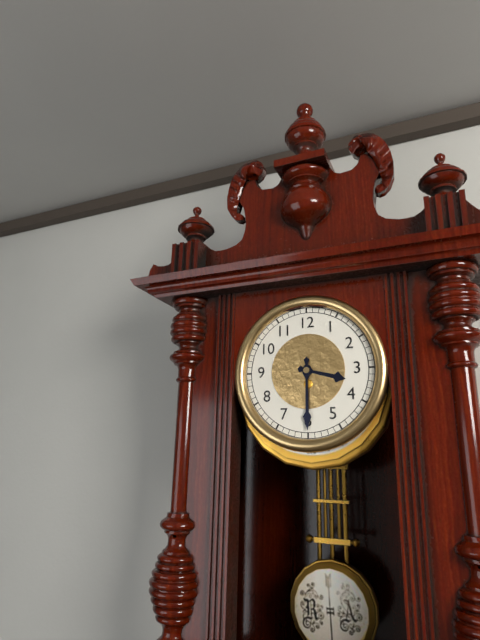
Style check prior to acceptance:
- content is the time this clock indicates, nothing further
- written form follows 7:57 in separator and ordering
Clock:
3:30
